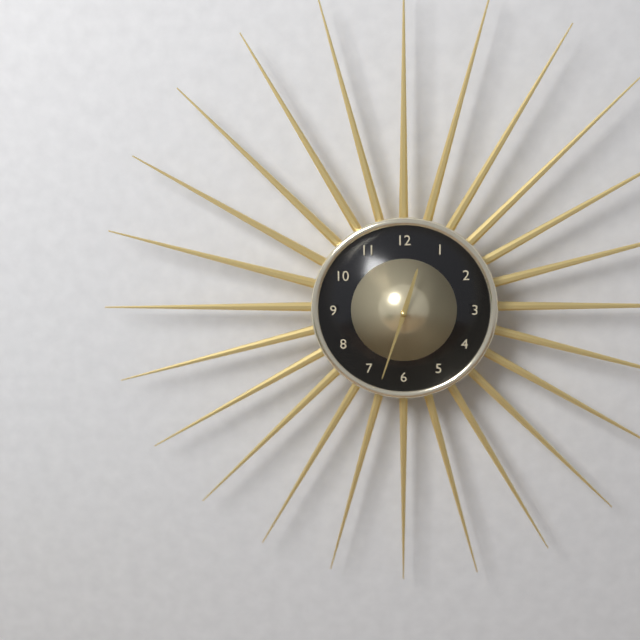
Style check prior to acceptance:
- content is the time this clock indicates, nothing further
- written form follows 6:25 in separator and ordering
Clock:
12:33
